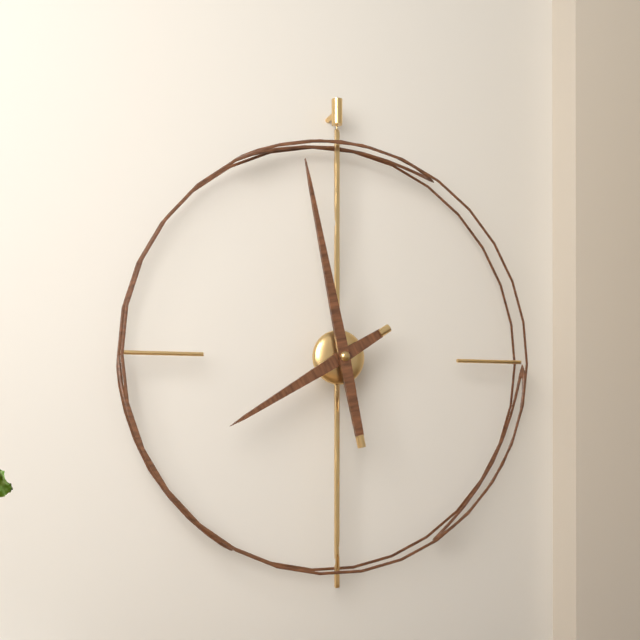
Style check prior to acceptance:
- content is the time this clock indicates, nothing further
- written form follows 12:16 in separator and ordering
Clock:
7:58
